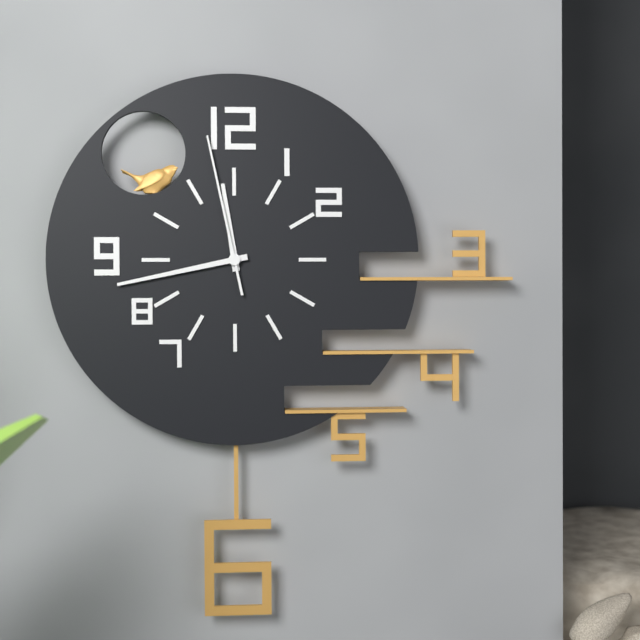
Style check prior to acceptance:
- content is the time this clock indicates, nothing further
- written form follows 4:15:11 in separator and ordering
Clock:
11:43:58
